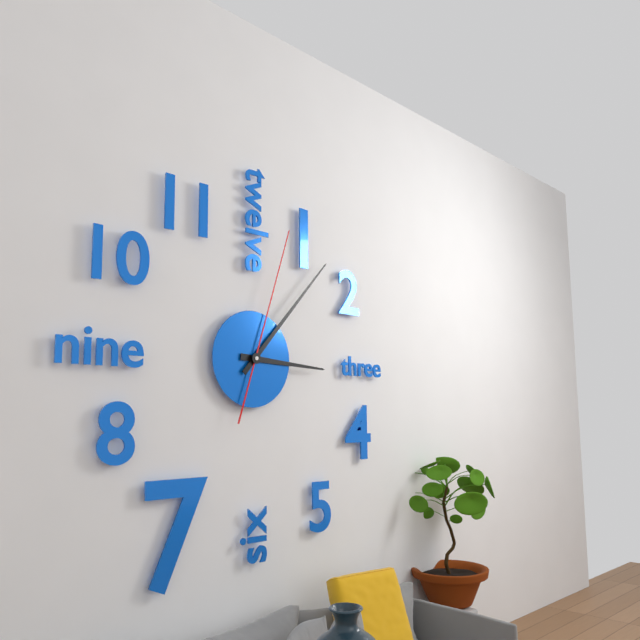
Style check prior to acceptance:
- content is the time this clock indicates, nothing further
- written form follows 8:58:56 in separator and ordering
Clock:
3:07:03
